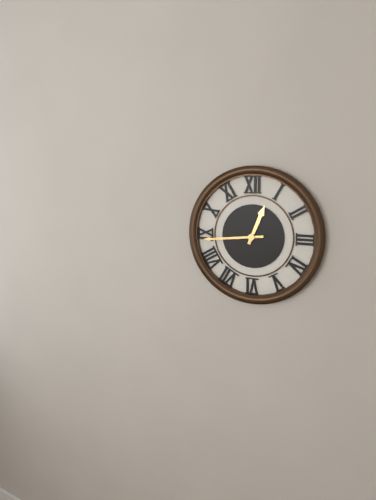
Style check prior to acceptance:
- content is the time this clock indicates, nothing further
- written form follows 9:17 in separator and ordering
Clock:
12:44
